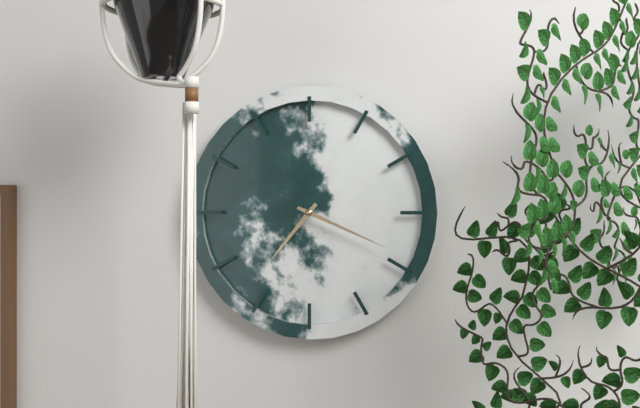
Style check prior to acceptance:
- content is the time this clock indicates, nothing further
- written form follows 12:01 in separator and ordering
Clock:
7:19
